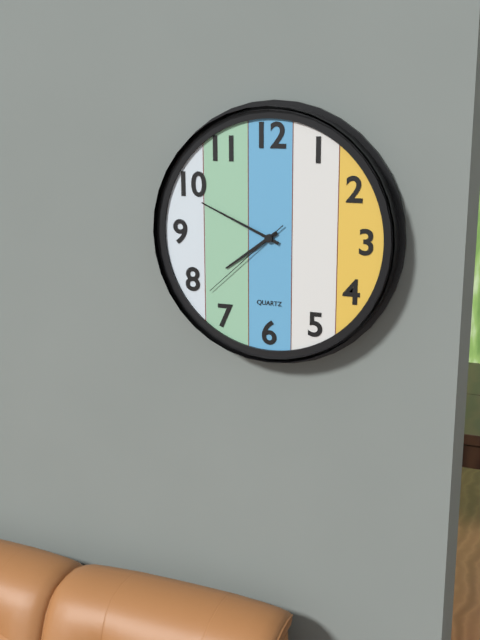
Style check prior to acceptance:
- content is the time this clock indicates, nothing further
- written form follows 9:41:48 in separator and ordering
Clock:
7:49:38
